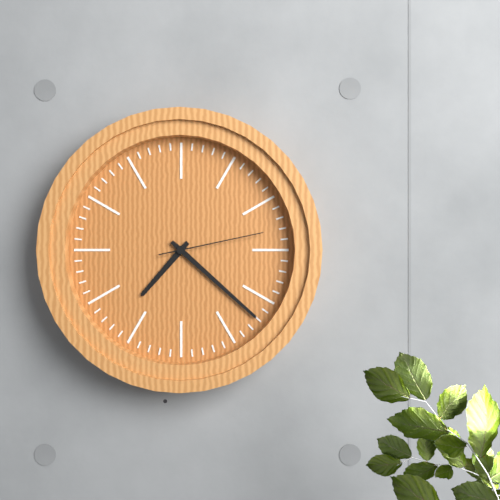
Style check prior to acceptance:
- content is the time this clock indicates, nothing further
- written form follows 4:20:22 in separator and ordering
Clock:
7:22:13
